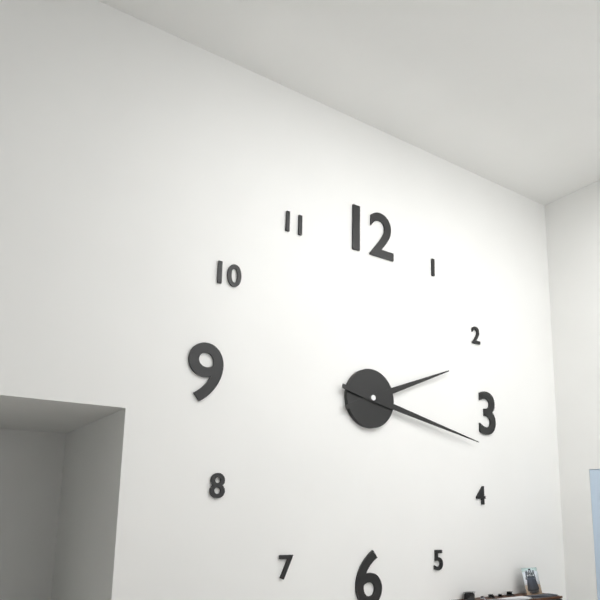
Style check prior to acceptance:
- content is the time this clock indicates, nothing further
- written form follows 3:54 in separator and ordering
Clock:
2:17
